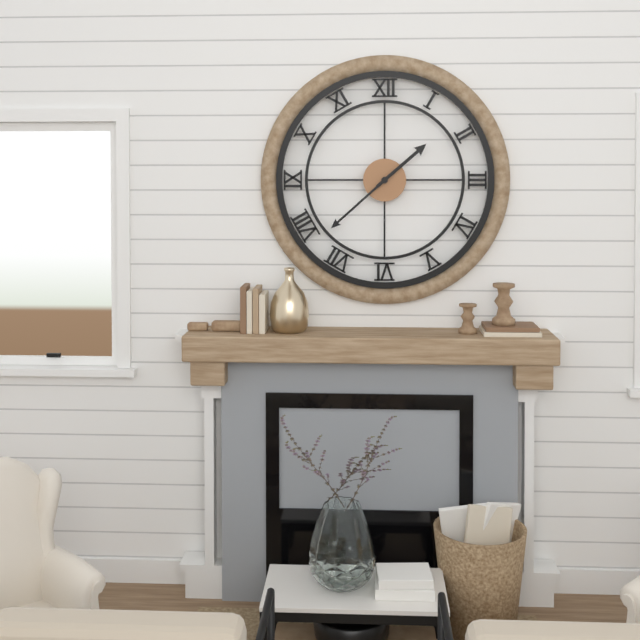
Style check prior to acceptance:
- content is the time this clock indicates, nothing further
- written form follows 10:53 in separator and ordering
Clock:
1:38
